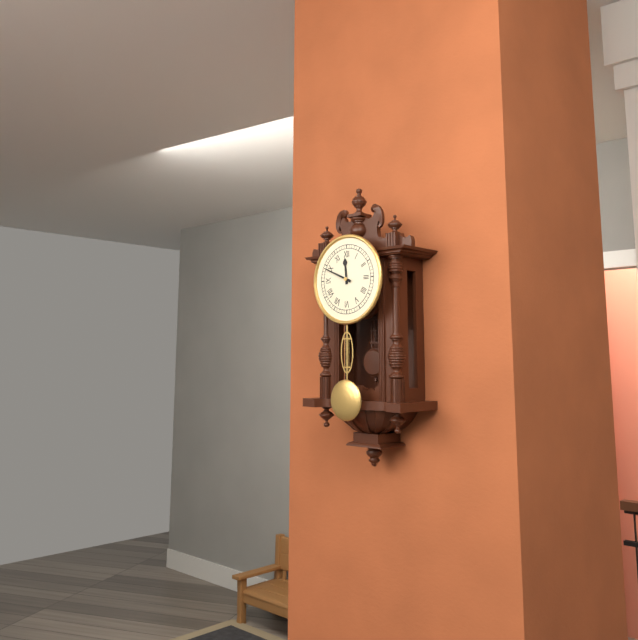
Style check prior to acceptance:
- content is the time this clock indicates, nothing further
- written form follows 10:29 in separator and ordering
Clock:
11:49
